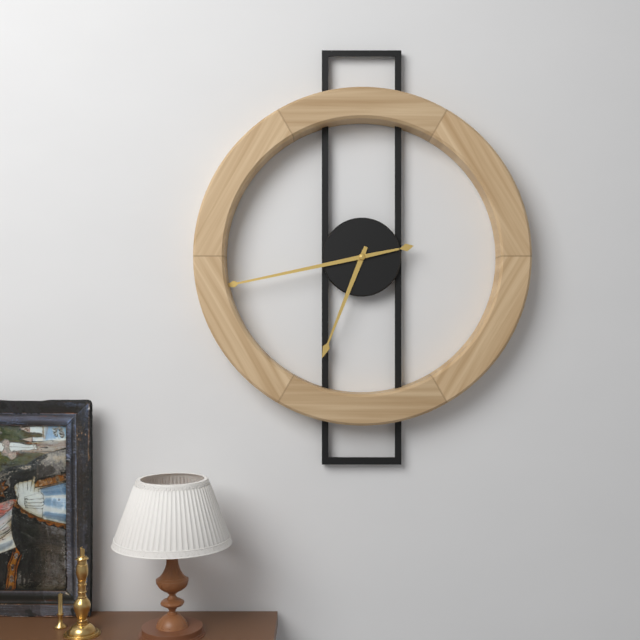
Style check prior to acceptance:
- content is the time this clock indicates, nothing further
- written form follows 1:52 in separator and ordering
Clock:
6:43
